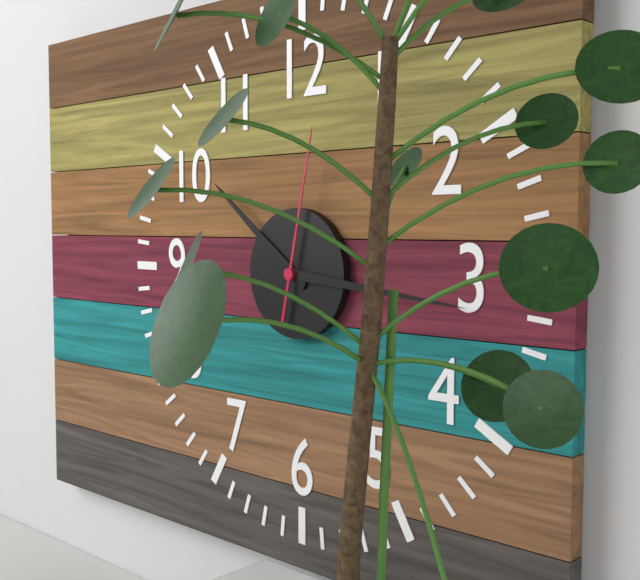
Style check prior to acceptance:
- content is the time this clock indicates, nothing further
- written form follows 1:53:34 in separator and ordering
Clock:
10:16:02
